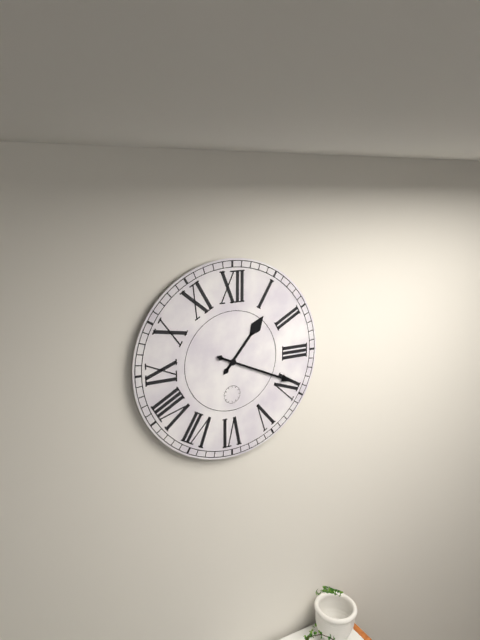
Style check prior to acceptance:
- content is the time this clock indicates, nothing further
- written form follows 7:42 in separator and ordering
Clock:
1:19
